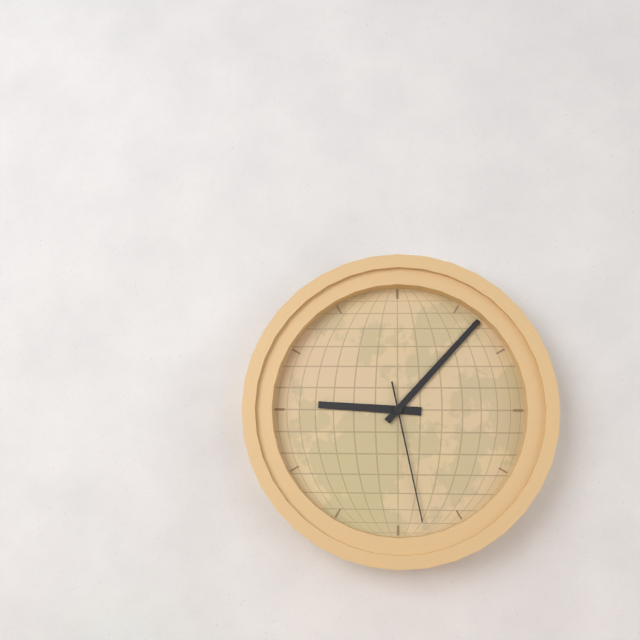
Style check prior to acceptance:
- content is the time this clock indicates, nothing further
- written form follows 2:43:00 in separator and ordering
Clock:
9:07:28
